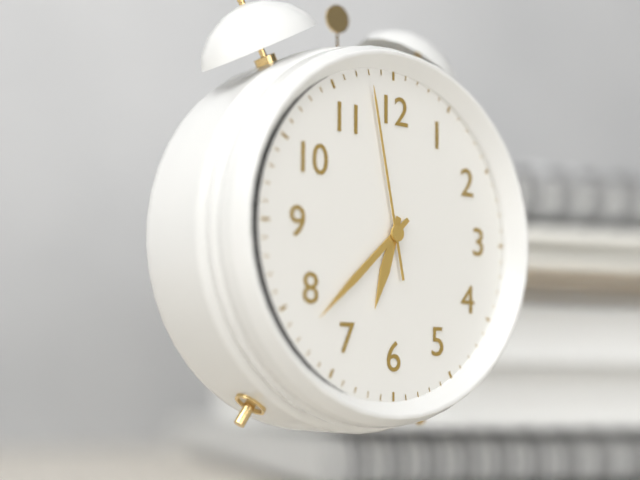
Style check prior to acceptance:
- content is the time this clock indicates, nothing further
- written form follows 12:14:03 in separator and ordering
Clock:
6:38:58
